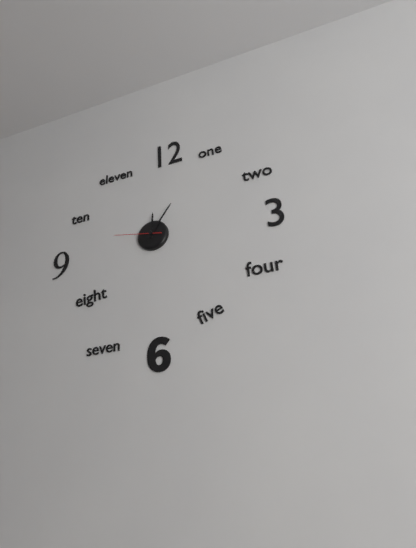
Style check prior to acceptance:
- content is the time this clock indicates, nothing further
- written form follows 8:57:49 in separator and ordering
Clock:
12:06:47
